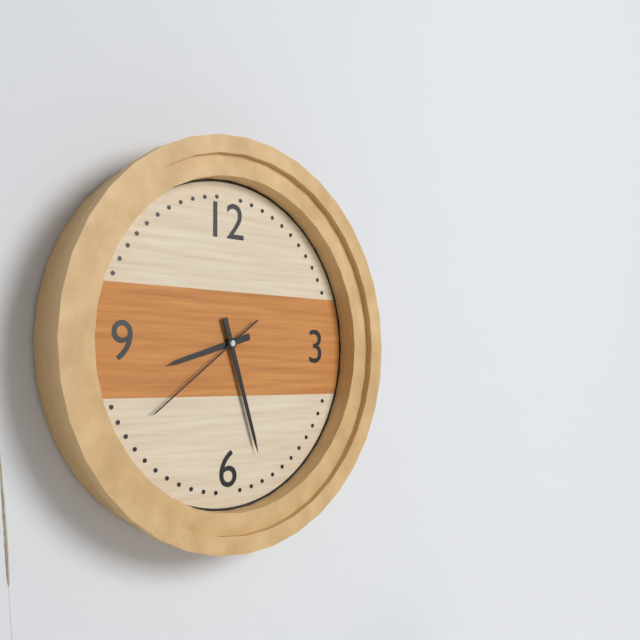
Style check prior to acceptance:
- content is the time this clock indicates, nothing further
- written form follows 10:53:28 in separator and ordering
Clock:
8:27:39
